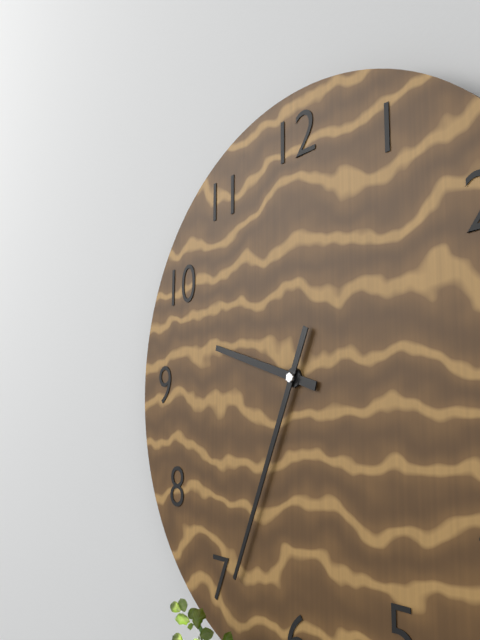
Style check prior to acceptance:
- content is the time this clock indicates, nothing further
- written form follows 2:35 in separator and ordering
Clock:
9:34
